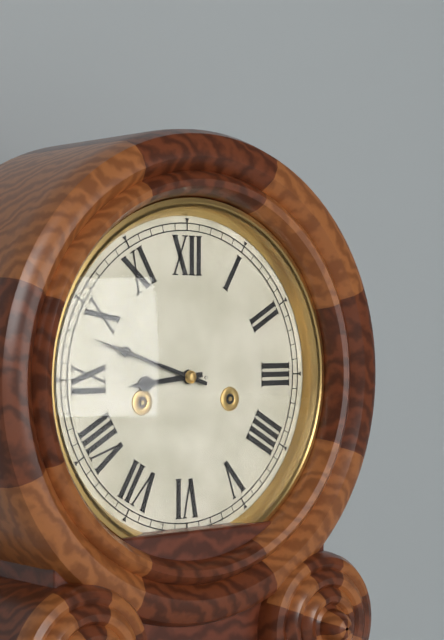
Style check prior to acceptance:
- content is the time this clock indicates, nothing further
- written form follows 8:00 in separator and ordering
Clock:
8:48
